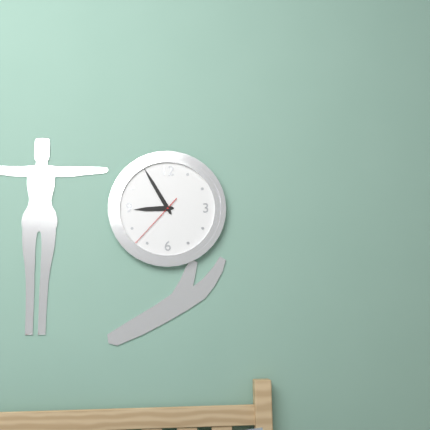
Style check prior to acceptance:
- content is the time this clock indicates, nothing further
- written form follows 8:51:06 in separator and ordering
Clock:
8:55:37
